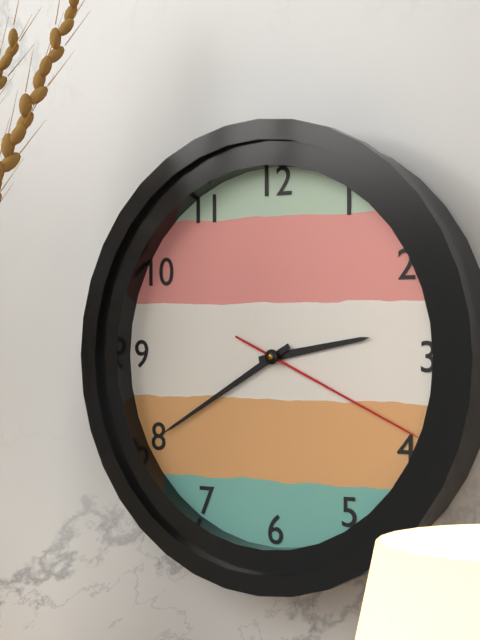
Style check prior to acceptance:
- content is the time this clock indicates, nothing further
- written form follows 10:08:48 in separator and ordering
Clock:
2:40:19
